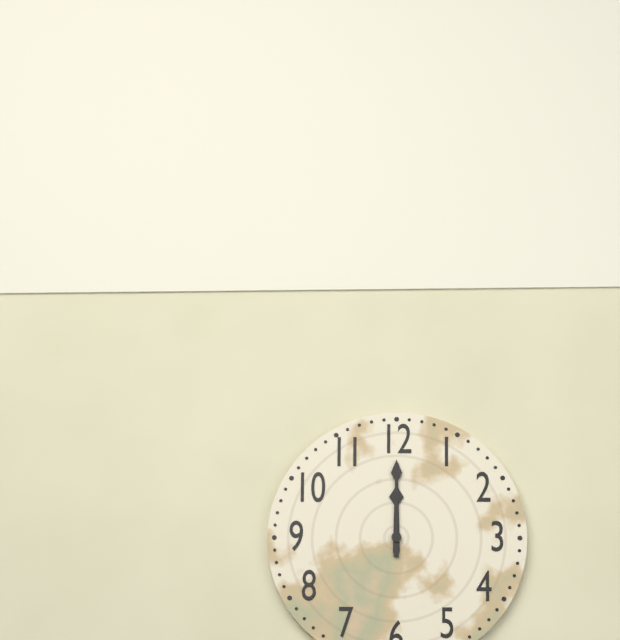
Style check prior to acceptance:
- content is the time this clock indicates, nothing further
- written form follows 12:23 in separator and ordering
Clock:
12:00
